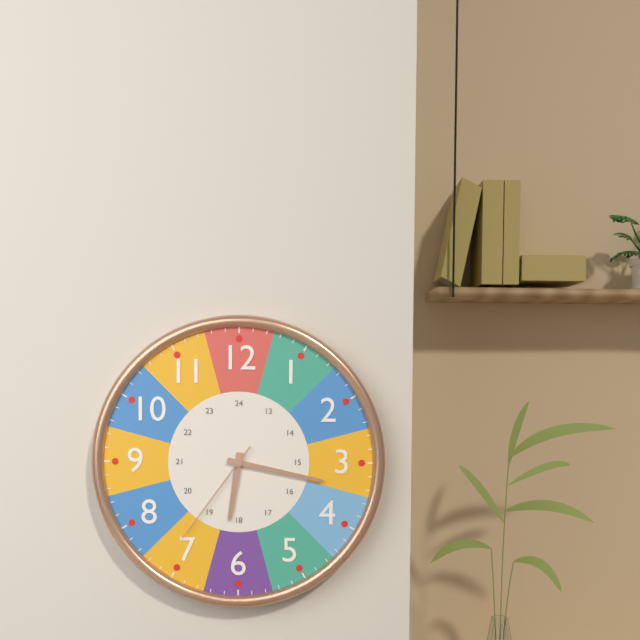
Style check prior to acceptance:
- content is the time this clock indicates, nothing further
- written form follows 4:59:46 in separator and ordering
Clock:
6:17:36
